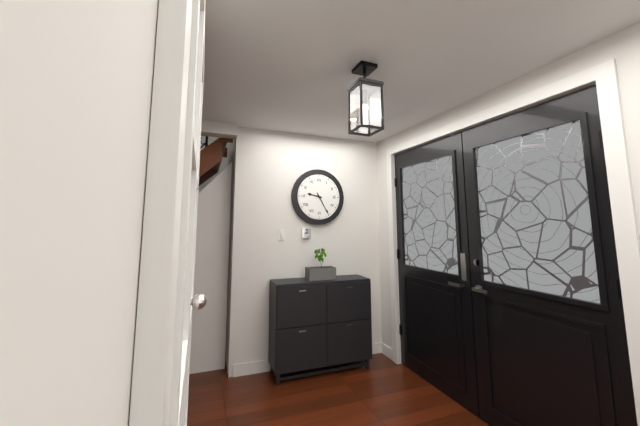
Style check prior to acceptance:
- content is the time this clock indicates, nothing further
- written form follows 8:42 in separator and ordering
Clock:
9:25
